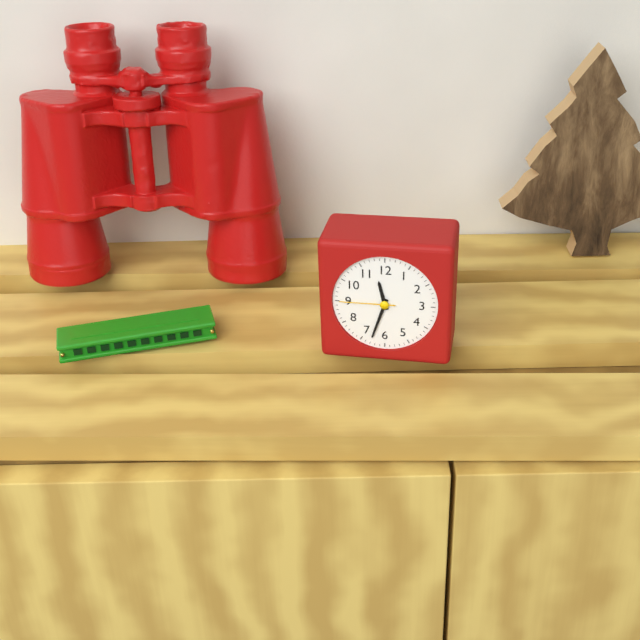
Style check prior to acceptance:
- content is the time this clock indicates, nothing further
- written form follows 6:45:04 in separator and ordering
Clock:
11:33:45
